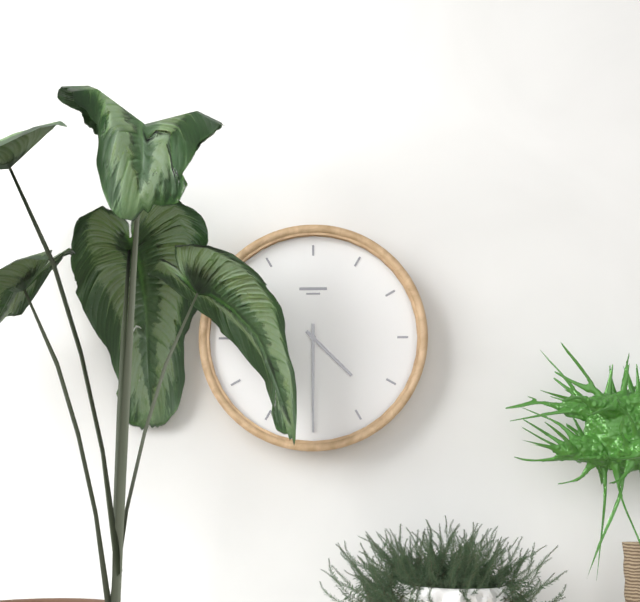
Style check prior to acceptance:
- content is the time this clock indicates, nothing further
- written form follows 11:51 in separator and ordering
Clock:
4:30
